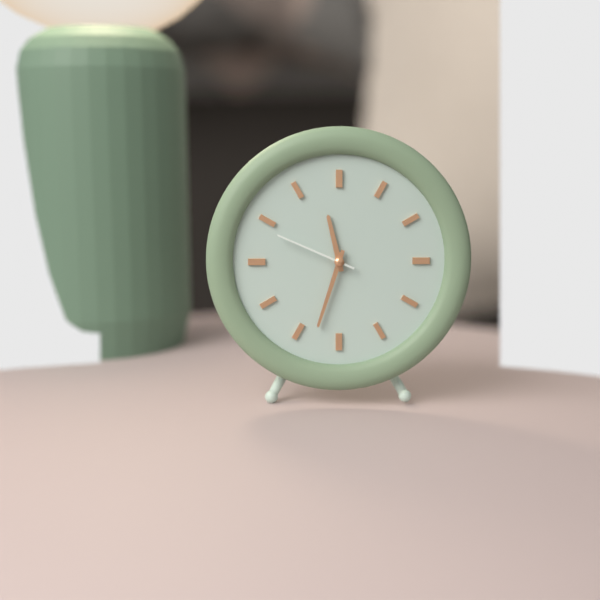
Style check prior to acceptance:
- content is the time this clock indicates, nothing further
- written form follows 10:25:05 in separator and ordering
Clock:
11:33:49
